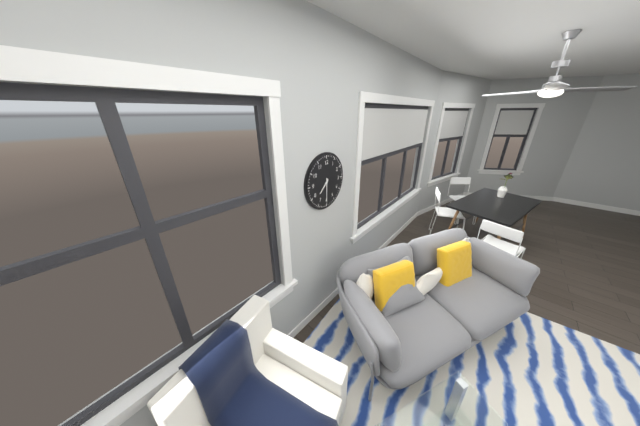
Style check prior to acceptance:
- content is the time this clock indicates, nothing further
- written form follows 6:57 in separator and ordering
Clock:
7:30
